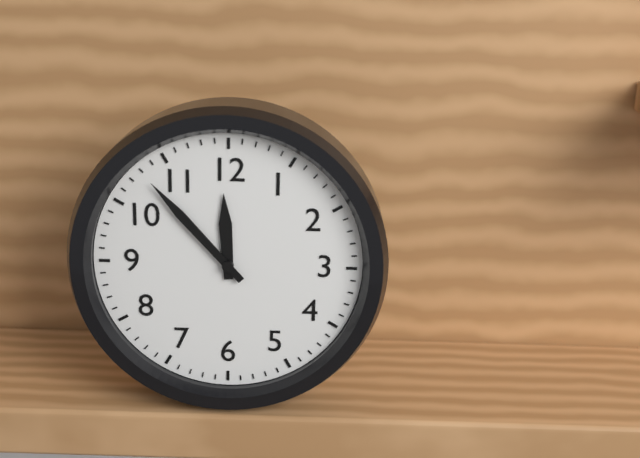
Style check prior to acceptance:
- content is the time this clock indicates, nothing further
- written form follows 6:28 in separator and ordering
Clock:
11:53
